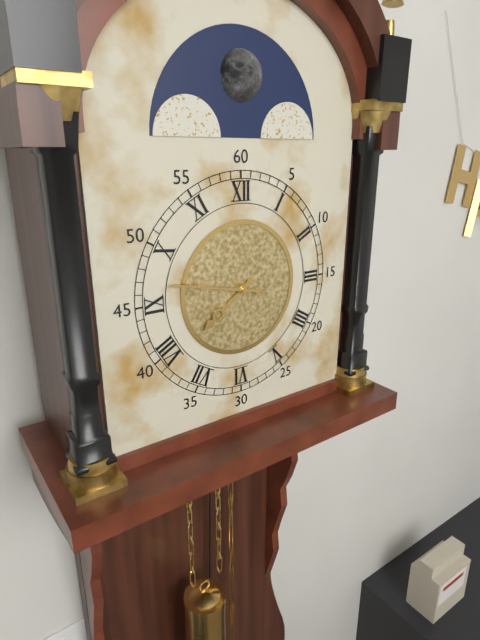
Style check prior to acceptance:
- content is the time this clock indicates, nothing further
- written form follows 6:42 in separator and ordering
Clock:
7:47
